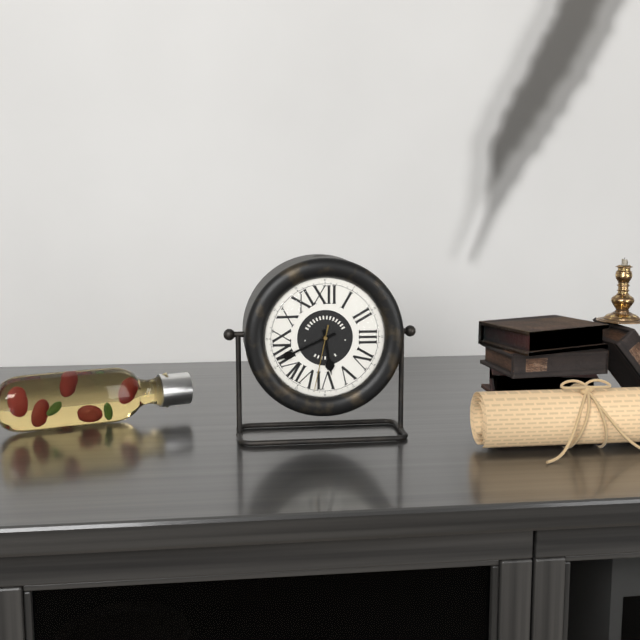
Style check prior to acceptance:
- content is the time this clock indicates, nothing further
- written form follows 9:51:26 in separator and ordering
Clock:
5:41:32
